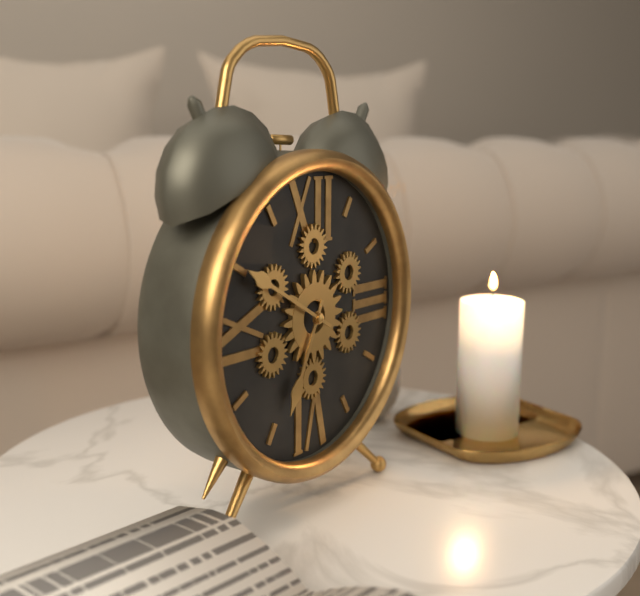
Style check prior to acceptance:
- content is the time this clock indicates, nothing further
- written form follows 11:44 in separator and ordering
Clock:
6:50
